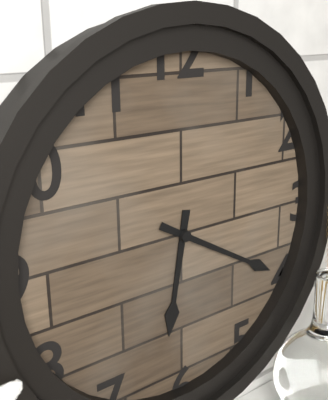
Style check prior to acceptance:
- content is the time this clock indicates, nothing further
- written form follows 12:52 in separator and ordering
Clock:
6:20
